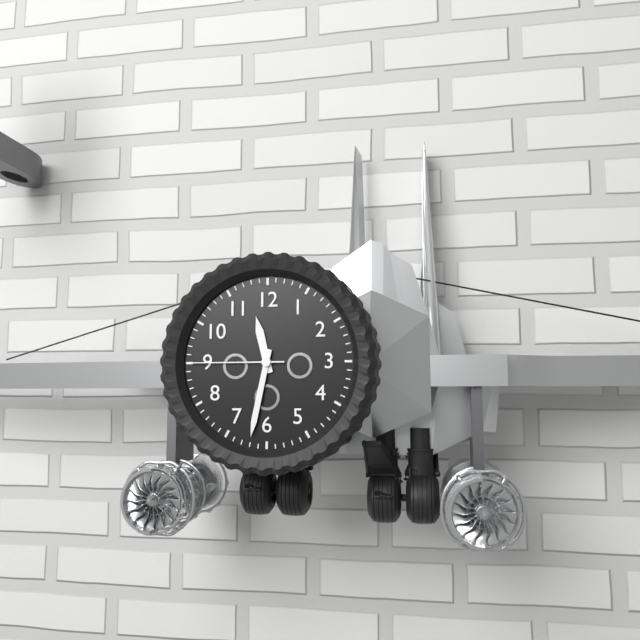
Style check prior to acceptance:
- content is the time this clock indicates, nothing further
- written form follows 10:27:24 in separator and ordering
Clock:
11:32:45
